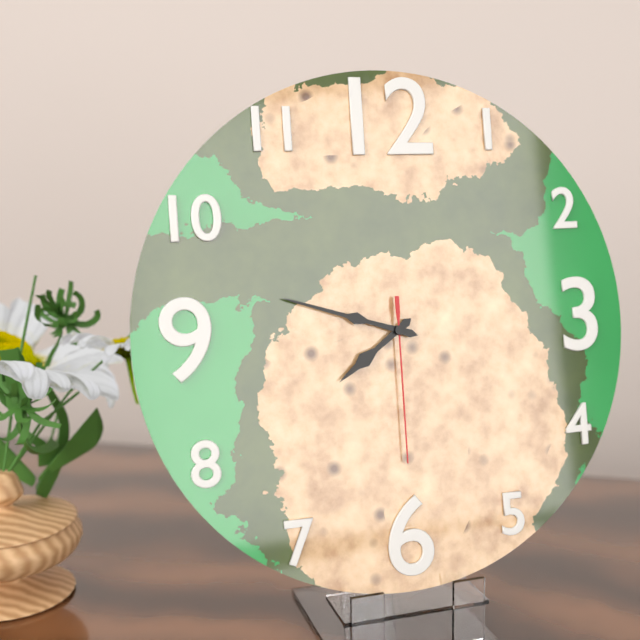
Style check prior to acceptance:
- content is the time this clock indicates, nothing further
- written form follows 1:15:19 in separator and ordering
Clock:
7:48:30
